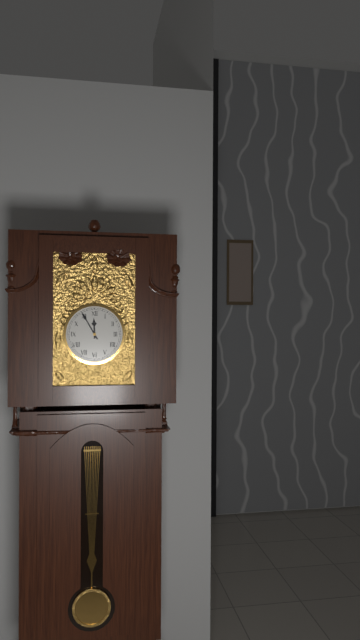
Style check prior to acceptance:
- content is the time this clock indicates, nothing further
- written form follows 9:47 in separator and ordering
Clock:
11:55
